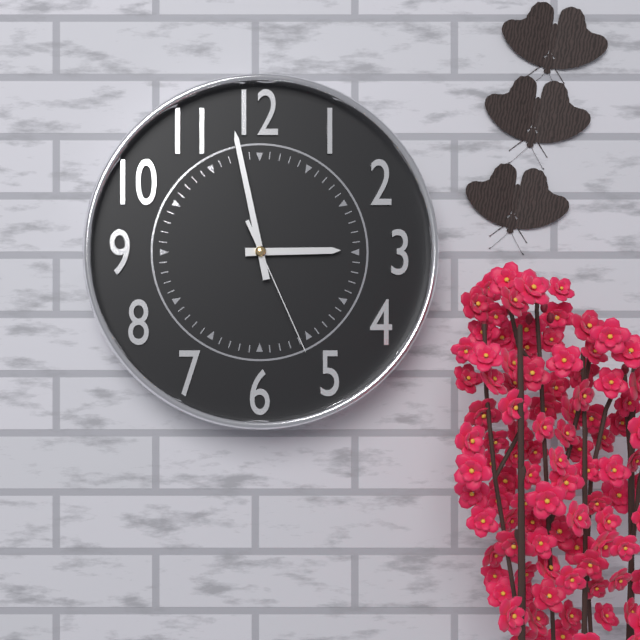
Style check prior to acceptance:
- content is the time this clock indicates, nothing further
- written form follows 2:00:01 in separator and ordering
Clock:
2:58:26
